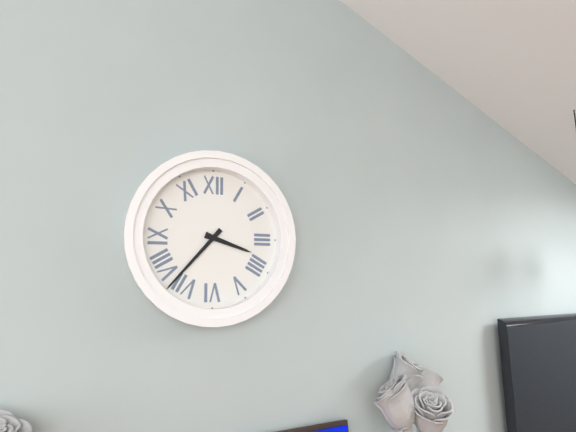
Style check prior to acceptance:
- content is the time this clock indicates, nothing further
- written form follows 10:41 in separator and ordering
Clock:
3:37
